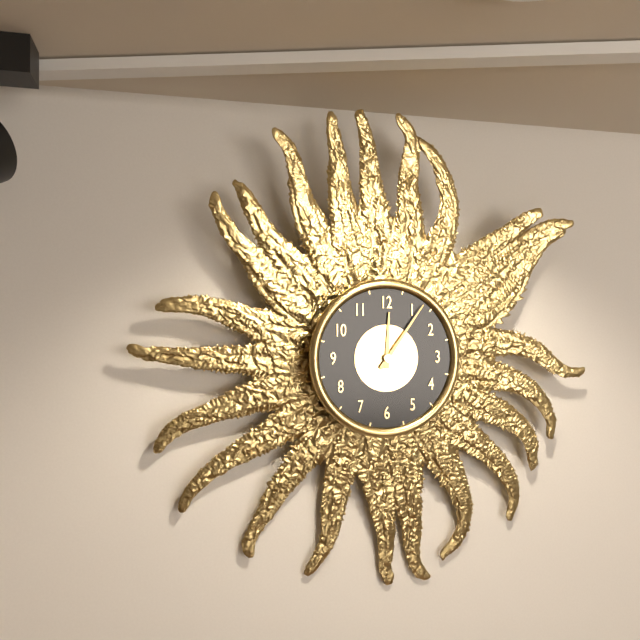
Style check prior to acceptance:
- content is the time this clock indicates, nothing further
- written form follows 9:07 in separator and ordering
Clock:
12:06
